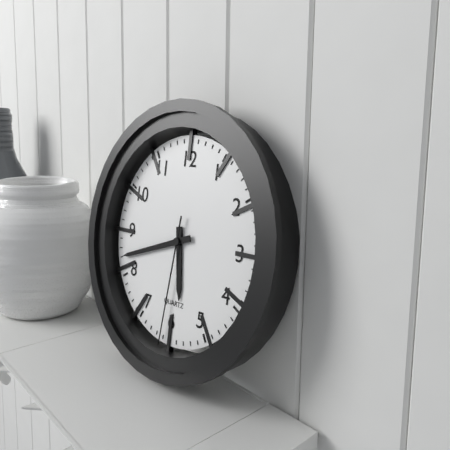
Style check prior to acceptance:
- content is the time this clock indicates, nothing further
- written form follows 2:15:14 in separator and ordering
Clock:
5:42:31
